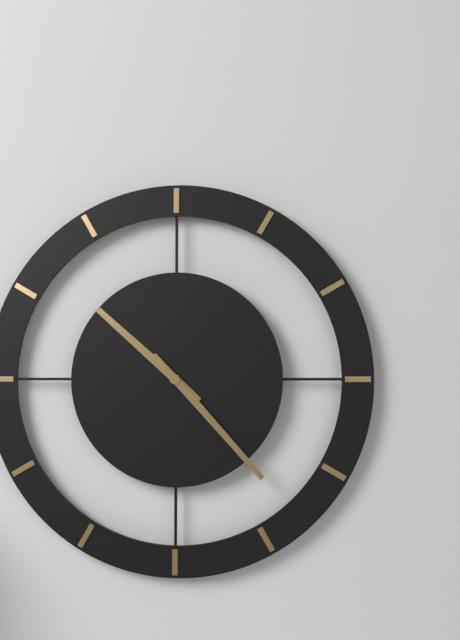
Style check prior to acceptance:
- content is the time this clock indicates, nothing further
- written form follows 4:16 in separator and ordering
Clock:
10:23
